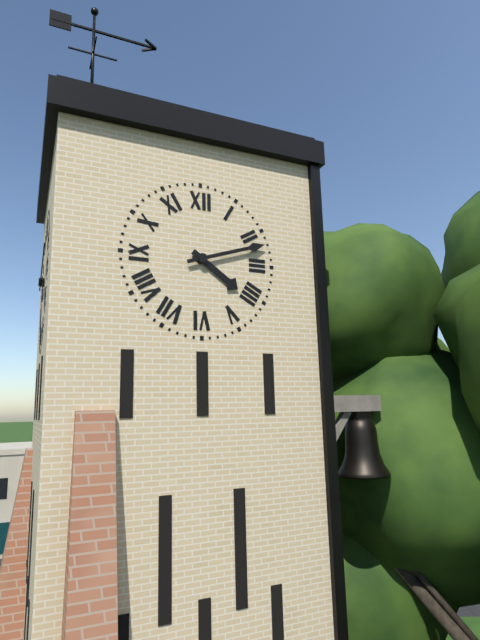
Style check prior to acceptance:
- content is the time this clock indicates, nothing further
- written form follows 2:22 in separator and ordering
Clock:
4:12
